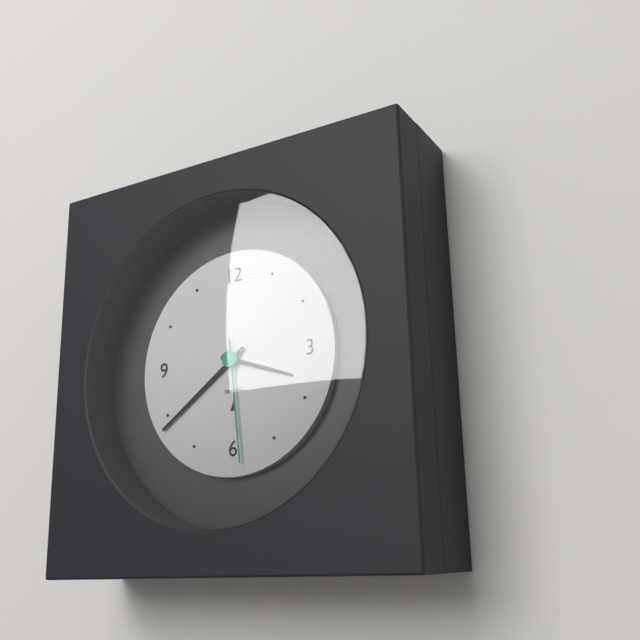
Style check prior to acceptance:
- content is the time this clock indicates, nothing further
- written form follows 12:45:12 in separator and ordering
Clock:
3:39:29
